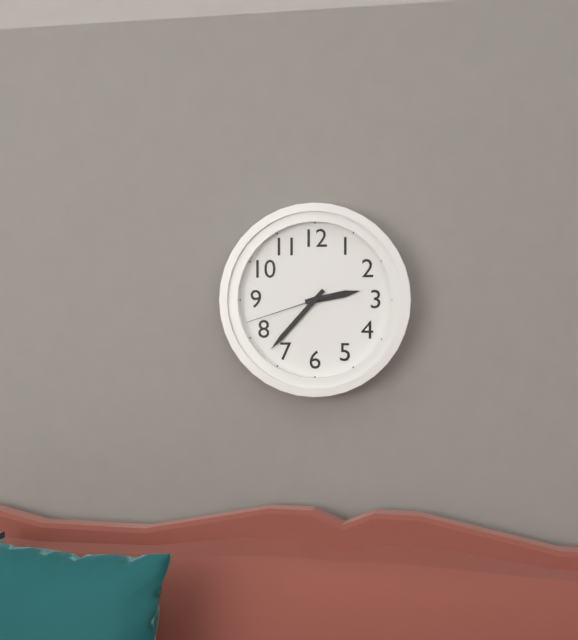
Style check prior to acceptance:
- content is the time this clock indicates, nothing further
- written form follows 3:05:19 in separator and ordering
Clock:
2:37:42
